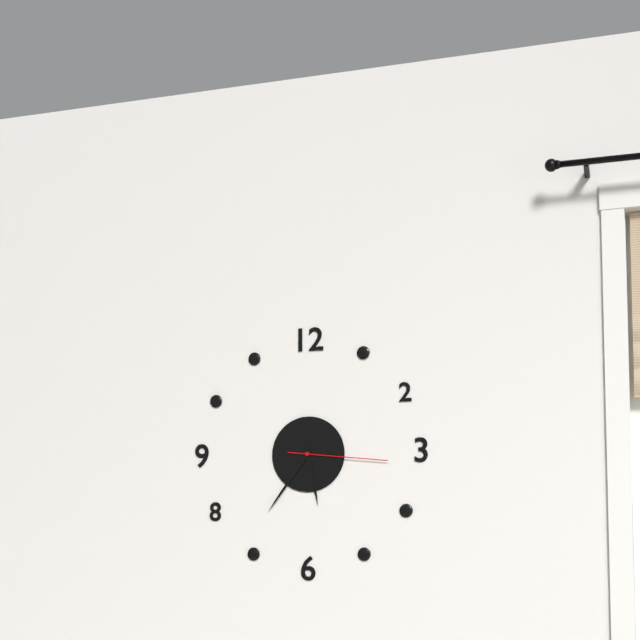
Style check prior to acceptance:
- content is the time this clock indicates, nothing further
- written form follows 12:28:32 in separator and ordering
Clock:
5:36:16
